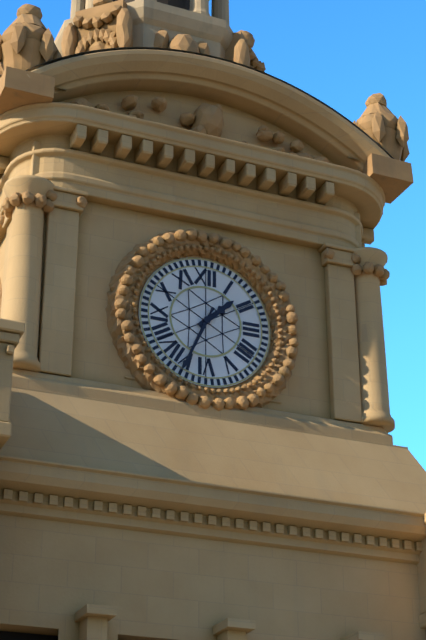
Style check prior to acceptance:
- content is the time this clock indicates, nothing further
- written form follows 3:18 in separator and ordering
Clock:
1:34
